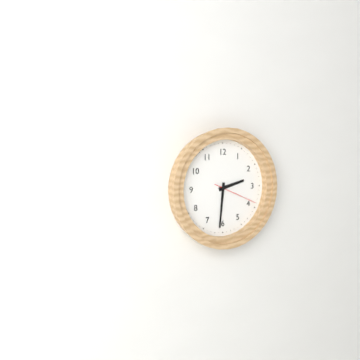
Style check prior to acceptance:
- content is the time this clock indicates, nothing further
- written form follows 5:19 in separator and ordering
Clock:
2:31
